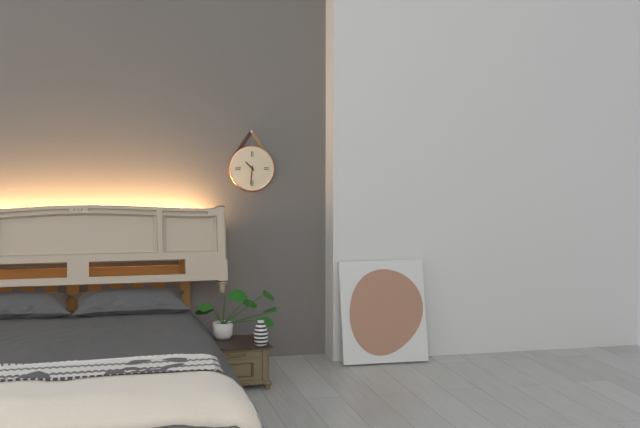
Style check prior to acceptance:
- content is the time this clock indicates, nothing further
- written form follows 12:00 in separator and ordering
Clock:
10:31
